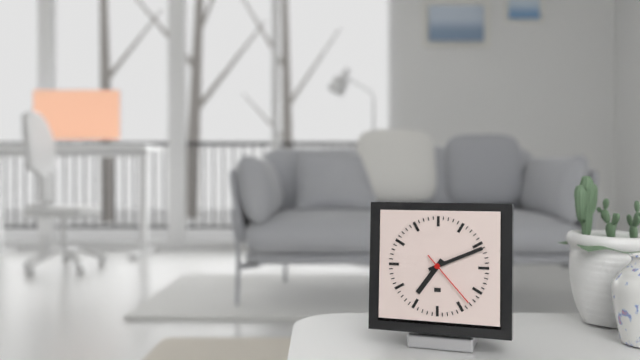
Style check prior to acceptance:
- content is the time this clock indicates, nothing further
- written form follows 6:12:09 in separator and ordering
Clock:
7:11:23
